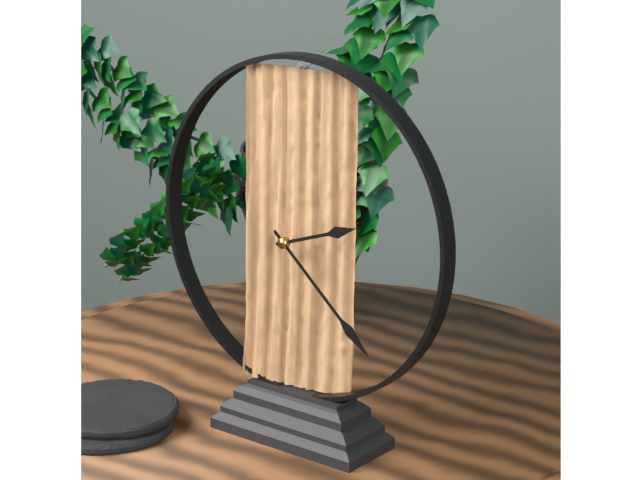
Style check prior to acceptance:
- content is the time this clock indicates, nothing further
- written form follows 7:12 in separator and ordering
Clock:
2:22
